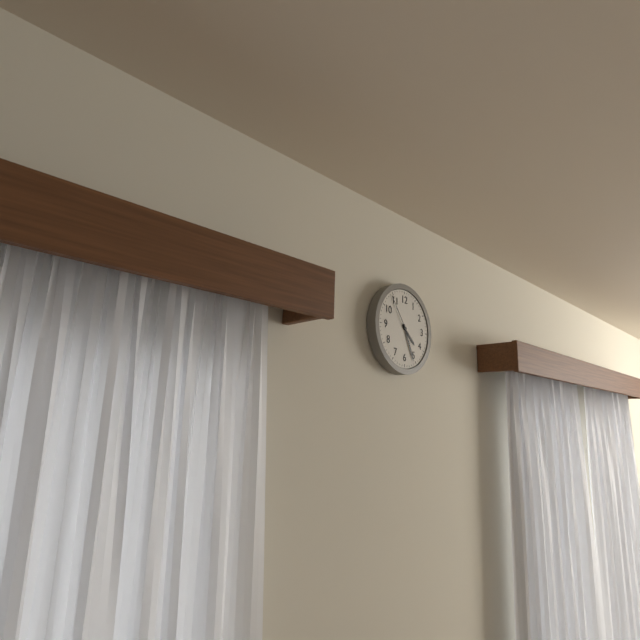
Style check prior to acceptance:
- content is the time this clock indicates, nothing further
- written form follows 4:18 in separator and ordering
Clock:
4:26
